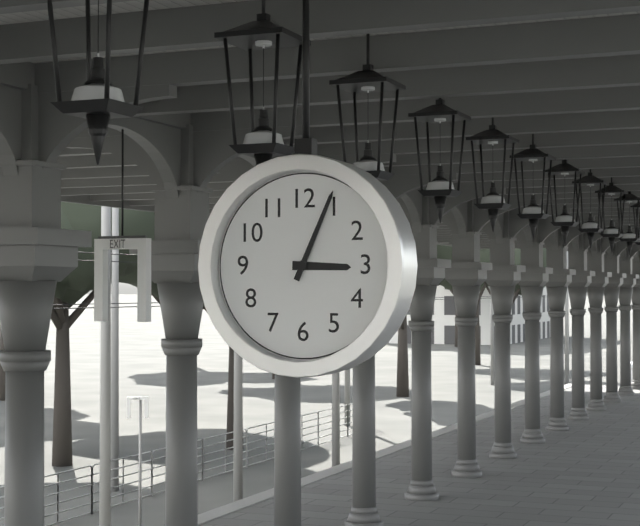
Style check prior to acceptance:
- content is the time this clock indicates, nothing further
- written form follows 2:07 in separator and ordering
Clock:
3:04
